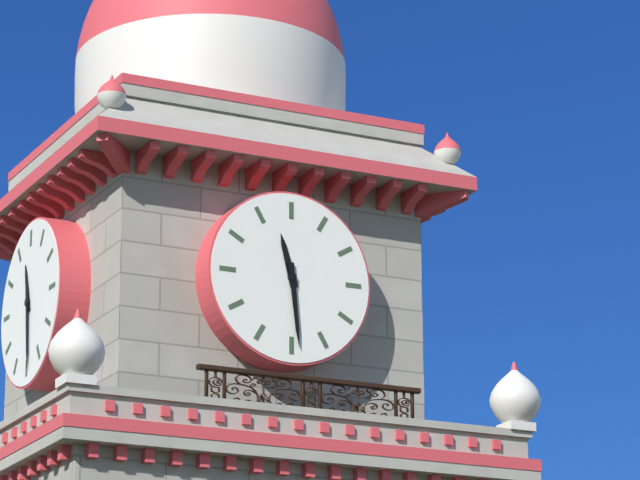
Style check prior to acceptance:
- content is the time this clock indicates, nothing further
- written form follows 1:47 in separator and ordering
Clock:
11:29
